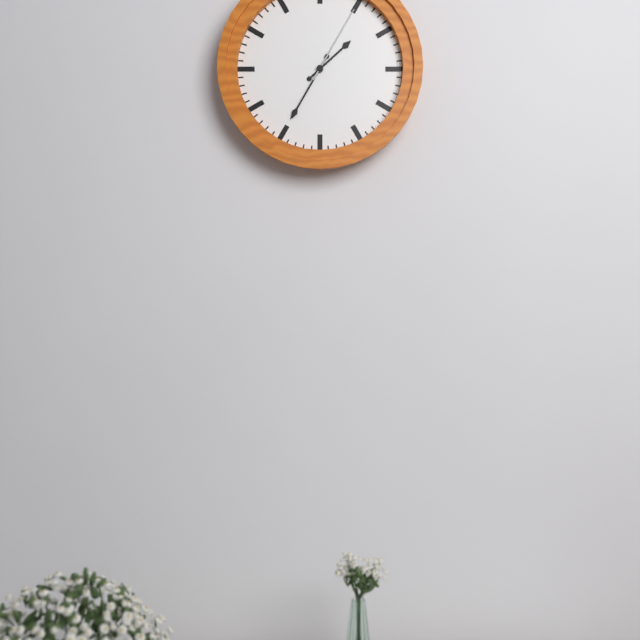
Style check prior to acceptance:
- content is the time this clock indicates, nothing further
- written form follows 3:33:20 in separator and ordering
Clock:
1:35:05
